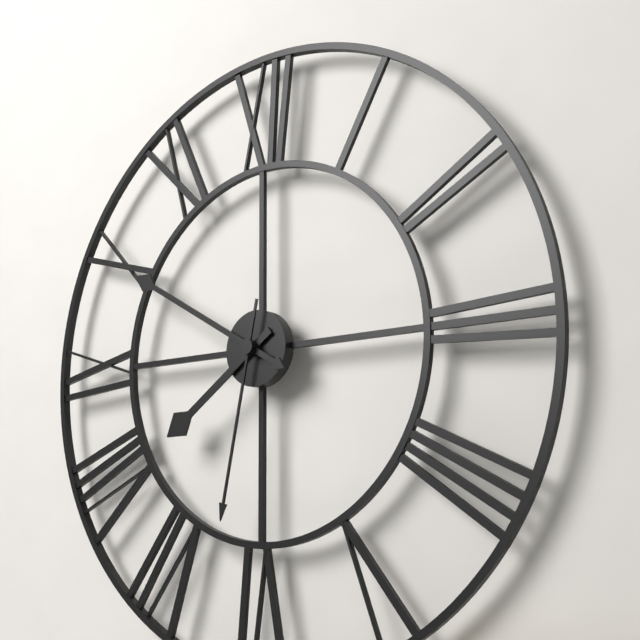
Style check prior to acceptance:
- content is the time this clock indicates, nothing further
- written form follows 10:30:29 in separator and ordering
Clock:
7:50:32
